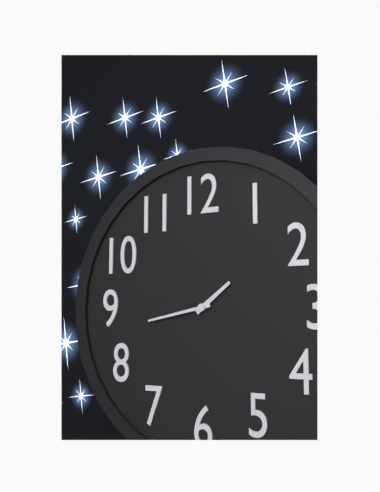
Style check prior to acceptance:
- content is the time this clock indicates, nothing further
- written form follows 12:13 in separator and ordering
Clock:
1:43
